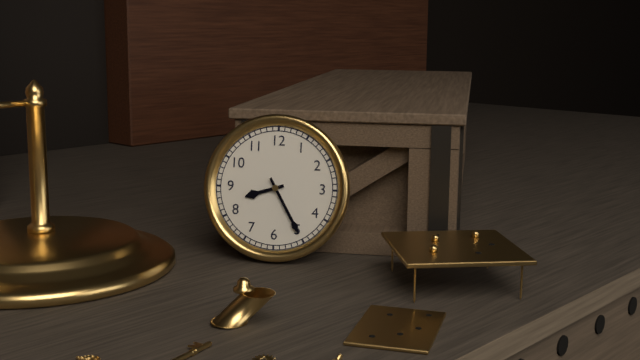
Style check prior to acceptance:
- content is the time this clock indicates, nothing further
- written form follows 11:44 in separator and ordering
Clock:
8:25
